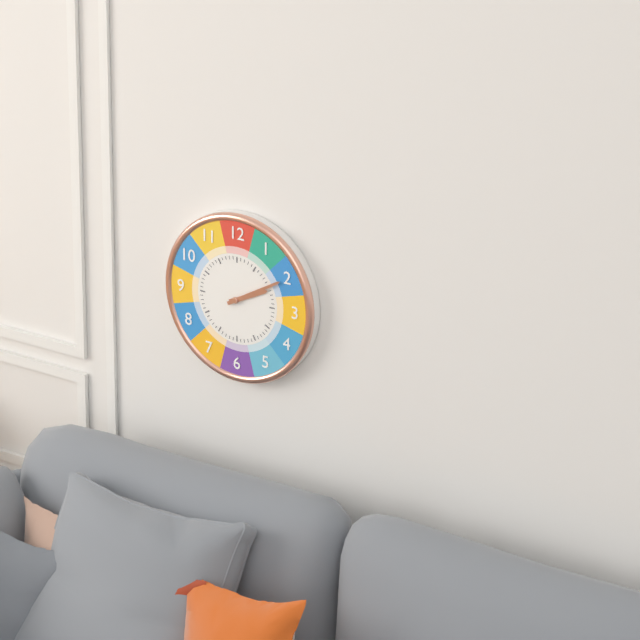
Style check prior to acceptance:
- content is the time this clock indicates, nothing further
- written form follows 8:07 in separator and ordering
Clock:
2:10
